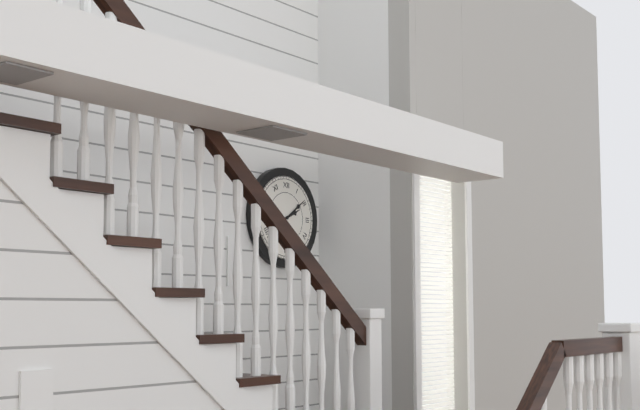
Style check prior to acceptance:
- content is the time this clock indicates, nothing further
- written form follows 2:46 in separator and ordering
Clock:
2:09
